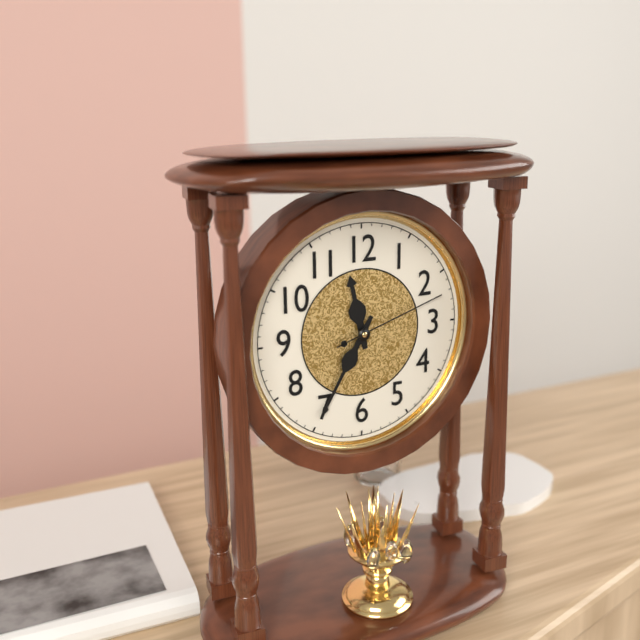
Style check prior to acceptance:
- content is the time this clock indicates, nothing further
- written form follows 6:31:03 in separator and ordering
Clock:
11:35:12
